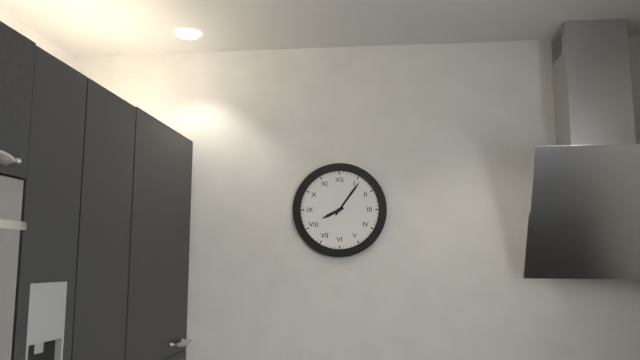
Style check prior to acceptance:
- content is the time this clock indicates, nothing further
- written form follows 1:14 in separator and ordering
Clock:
8:06
